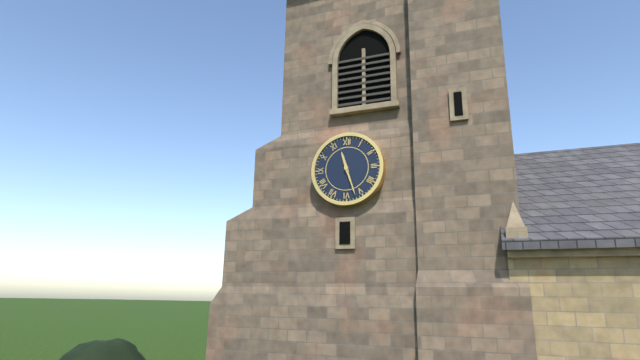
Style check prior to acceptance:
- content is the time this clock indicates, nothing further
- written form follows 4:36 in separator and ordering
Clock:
11:27
